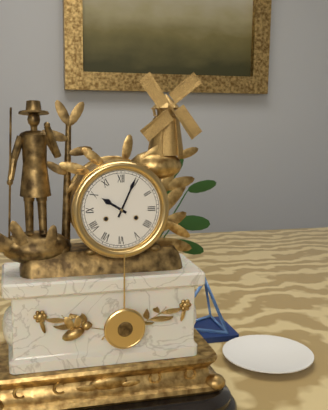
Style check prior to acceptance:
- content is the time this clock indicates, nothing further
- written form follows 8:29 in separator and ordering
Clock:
10:04
